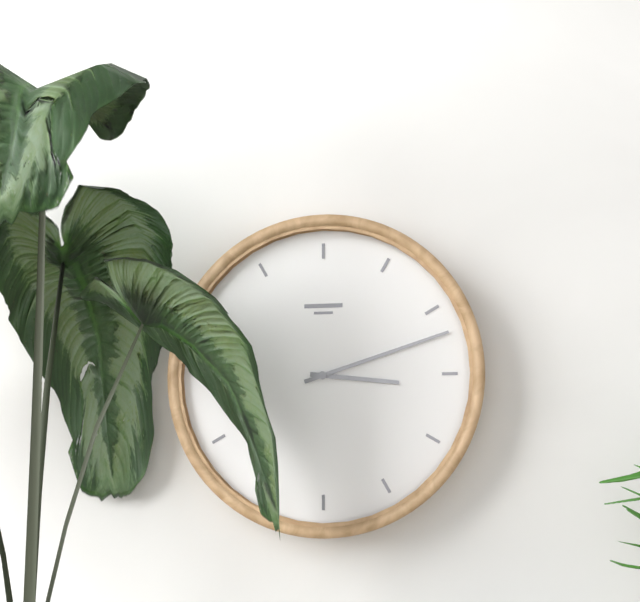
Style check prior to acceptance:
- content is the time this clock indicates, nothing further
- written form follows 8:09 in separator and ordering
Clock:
3:12
